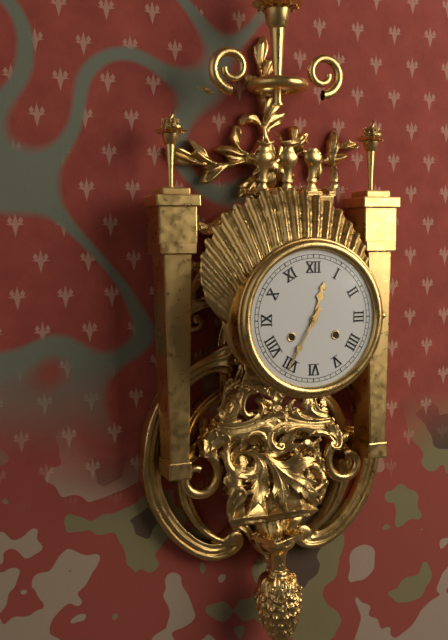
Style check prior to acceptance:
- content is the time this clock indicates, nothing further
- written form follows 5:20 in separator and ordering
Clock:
12:35
